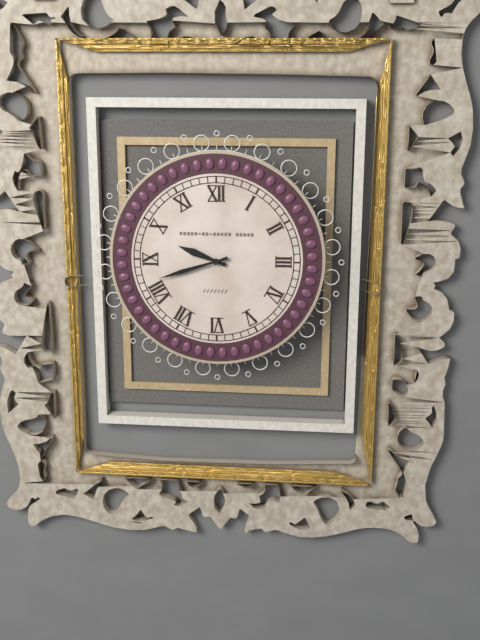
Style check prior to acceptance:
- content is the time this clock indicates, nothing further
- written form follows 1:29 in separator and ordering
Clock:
9:42
